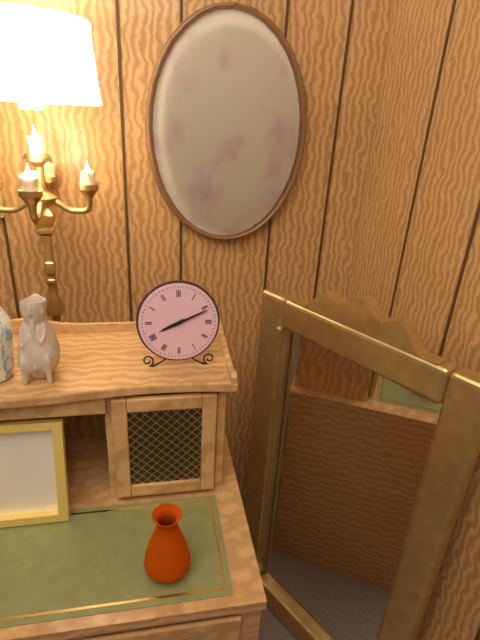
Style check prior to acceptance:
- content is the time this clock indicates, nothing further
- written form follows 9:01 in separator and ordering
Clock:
8:11
